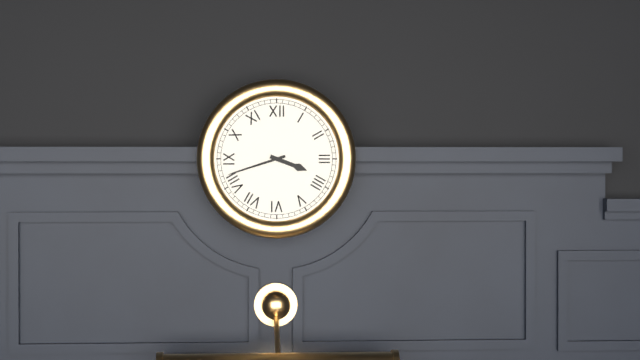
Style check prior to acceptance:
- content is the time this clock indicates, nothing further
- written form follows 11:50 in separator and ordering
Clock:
3:42
